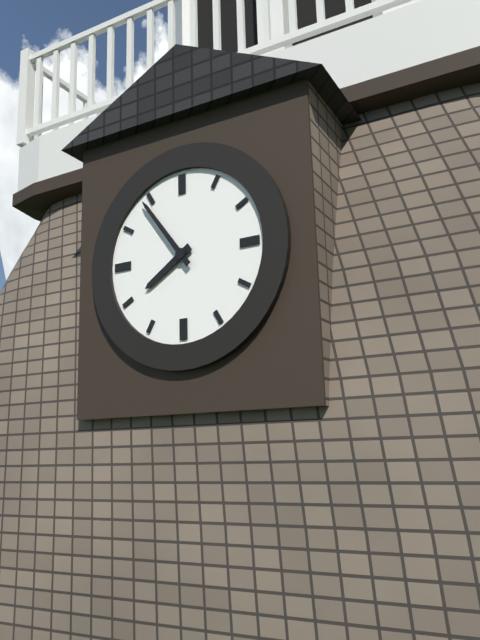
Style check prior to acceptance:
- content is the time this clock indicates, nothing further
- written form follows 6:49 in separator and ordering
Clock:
7:54
